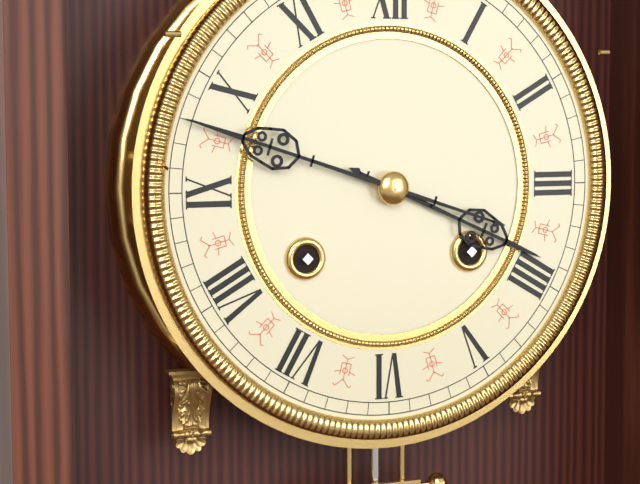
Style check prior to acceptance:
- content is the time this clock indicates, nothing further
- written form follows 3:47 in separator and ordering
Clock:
3:48
